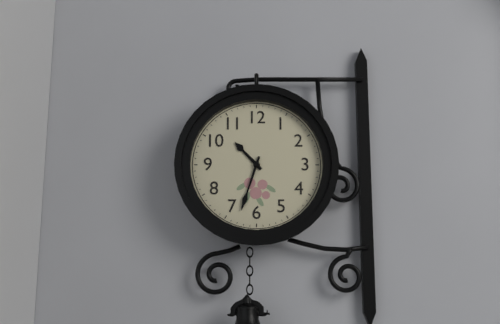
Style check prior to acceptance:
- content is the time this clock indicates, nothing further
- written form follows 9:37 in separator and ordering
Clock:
10:33
